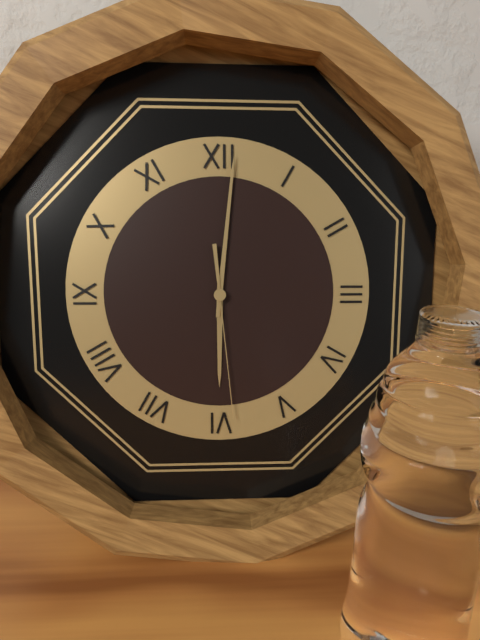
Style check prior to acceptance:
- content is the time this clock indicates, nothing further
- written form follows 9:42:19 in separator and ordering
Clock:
6:01:29
